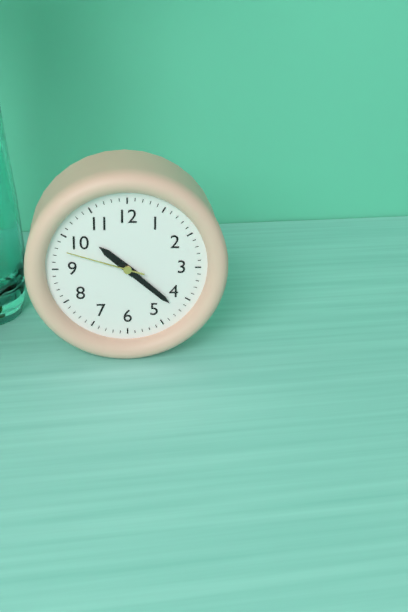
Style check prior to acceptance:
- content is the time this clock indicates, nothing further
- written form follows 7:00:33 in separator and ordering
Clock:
10:22:48
